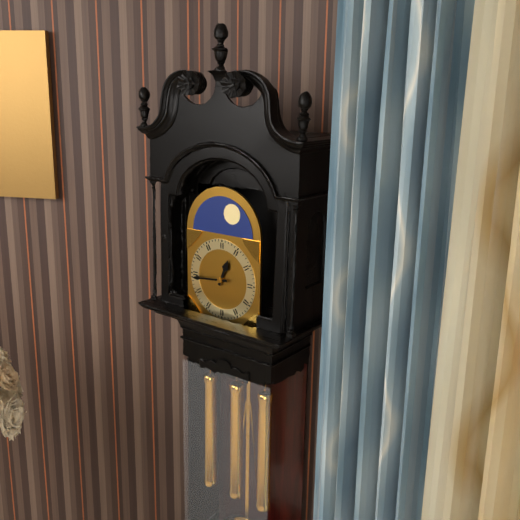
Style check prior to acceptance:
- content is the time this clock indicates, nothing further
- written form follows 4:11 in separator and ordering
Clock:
12:44
